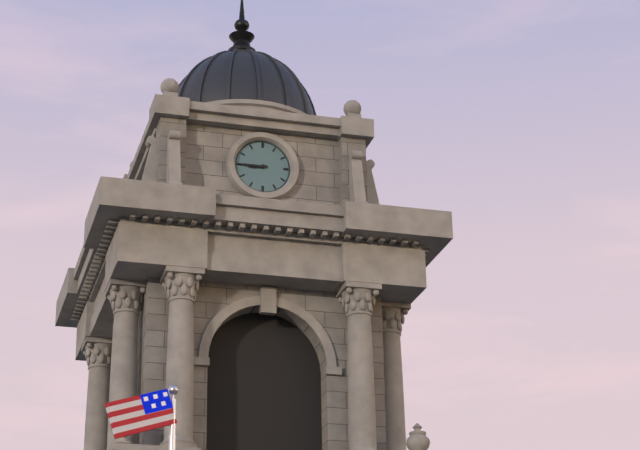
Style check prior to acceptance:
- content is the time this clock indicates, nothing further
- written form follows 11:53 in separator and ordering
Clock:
8:45
